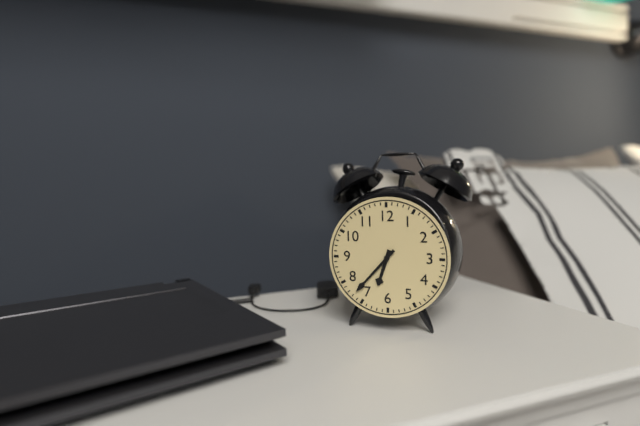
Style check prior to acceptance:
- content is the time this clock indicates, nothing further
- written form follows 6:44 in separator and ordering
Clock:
6:37
